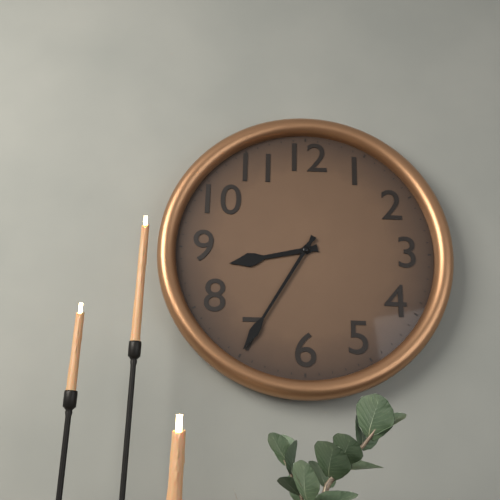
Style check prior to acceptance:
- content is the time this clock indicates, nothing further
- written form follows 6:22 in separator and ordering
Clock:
8:35
